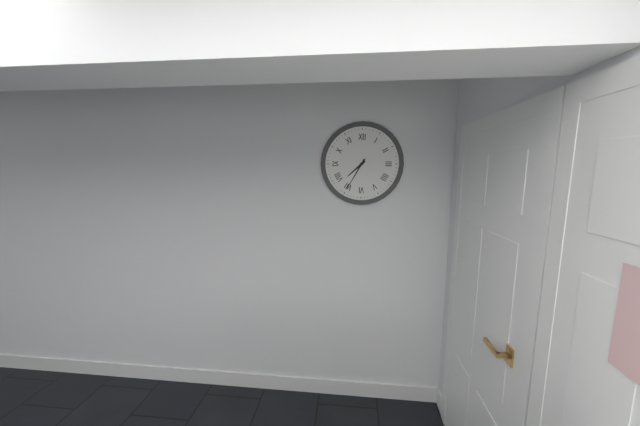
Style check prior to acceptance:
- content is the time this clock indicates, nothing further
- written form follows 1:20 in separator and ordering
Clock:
7:35
